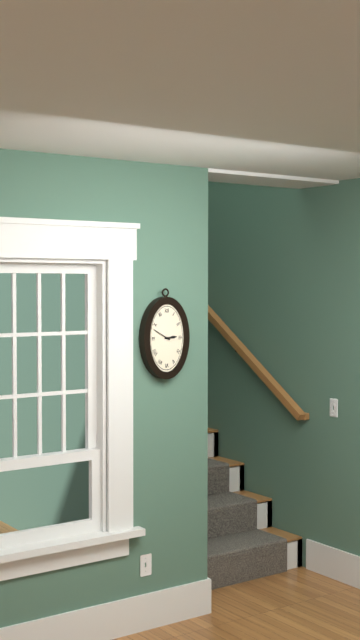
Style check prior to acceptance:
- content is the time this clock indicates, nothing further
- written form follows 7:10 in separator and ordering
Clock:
2:50
